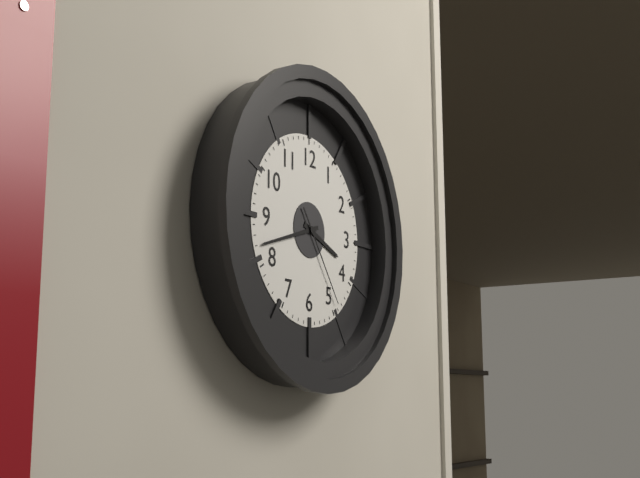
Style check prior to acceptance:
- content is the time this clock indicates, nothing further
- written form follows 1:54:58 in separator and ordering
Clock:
3:42:24
